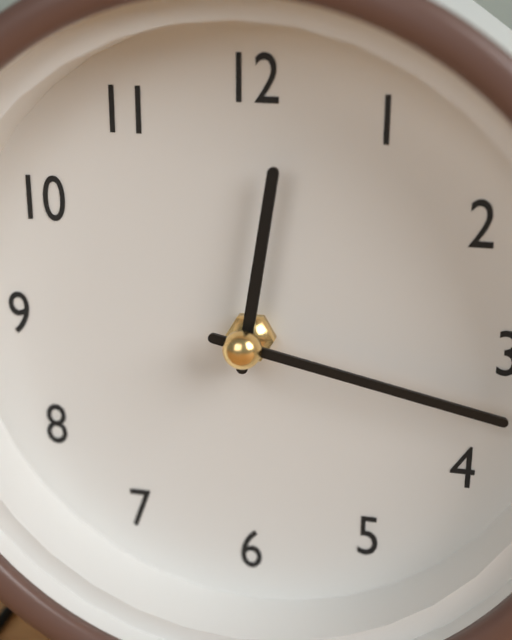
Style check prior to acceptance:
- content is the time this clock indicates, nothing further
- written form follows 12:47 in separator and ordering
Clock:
12:17
